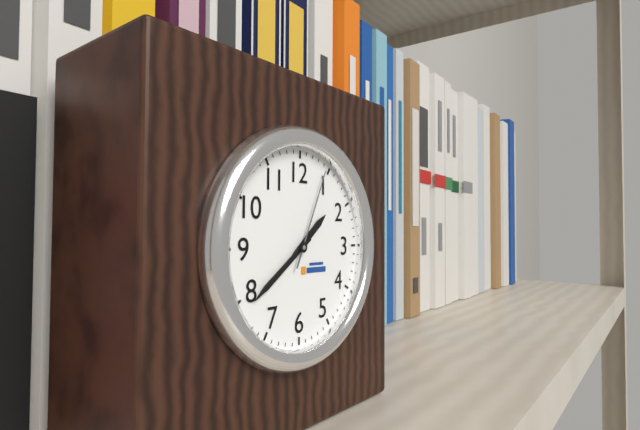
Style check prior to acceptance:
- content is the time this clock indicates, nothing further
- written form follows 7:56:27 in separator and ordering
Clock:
1:39:04
